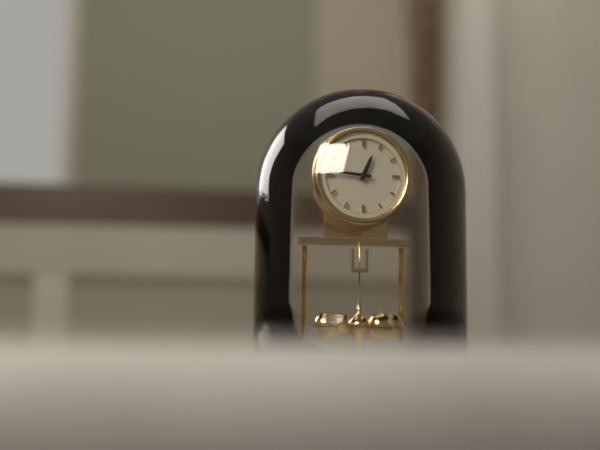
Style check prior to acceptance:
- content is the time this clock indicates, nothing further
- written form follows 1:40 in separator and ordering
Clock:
12:46
